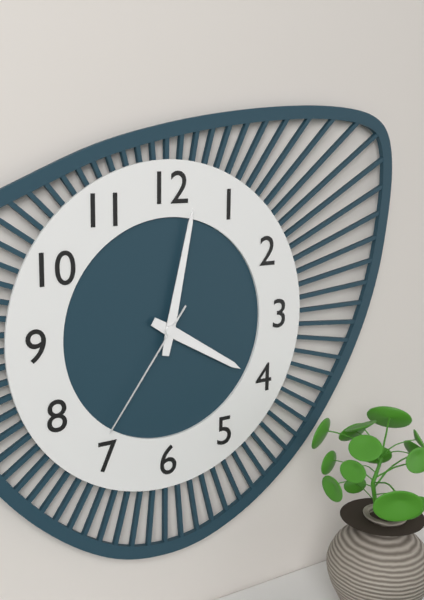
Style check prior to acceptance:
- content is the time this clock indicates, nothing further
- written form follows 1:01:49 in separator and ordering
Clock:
4:02:36
